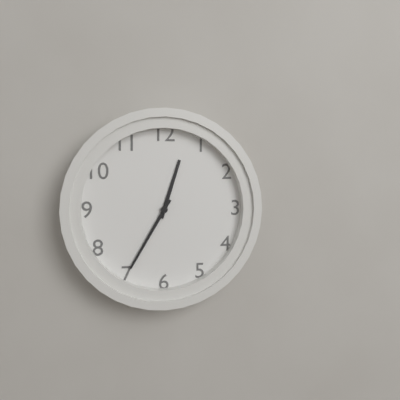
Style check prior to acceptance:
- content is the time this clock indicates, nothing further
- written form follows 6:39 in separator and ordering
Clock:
12:35
